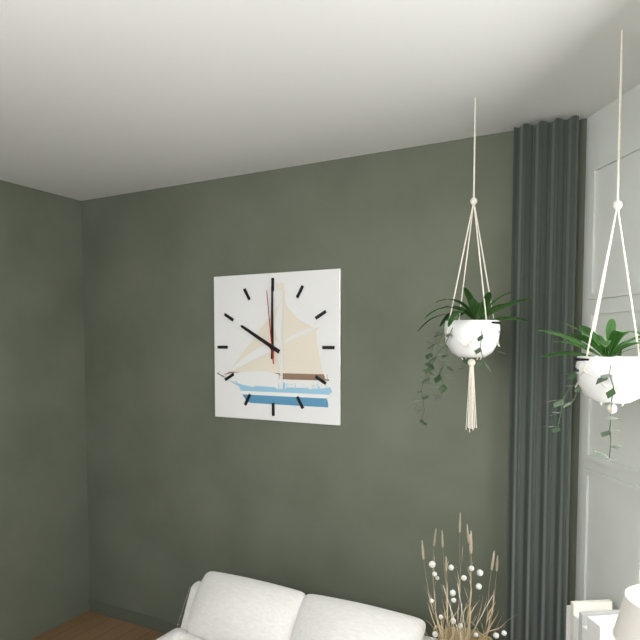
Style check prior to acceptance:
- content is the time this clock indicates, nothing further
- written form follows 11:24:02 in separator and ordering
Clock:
10:00:59
